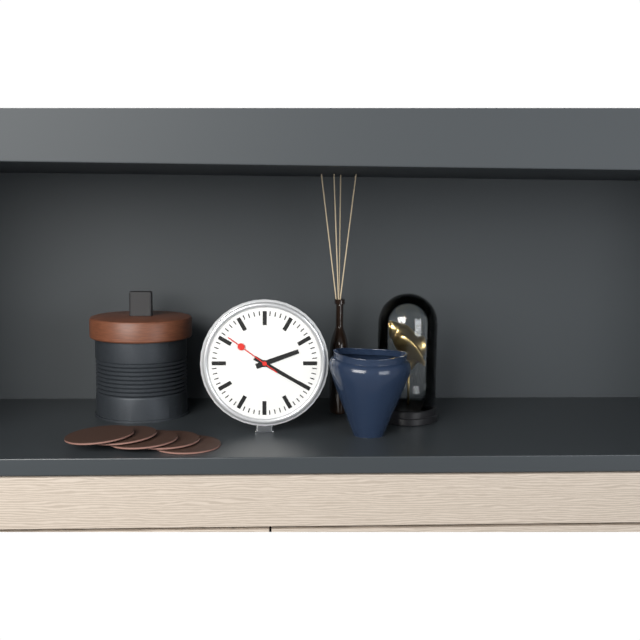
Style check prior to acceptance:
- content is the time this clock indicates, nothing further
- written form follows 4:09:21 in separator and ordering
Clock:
2:20:51
